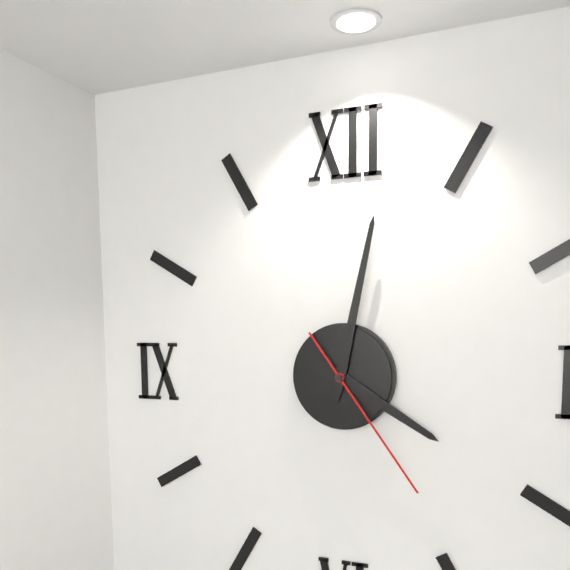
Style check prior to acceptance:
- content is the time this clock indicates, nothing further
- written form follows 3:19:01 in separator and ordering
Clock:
4:02:24
